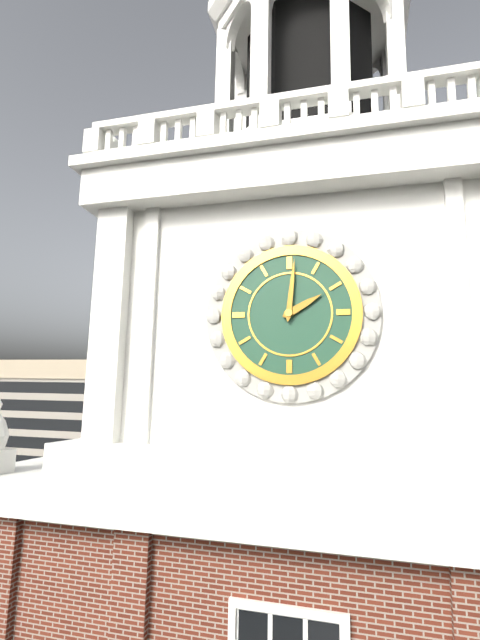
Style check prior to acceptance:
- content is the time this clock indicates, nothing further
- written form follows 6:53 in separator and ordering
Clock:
2:01
